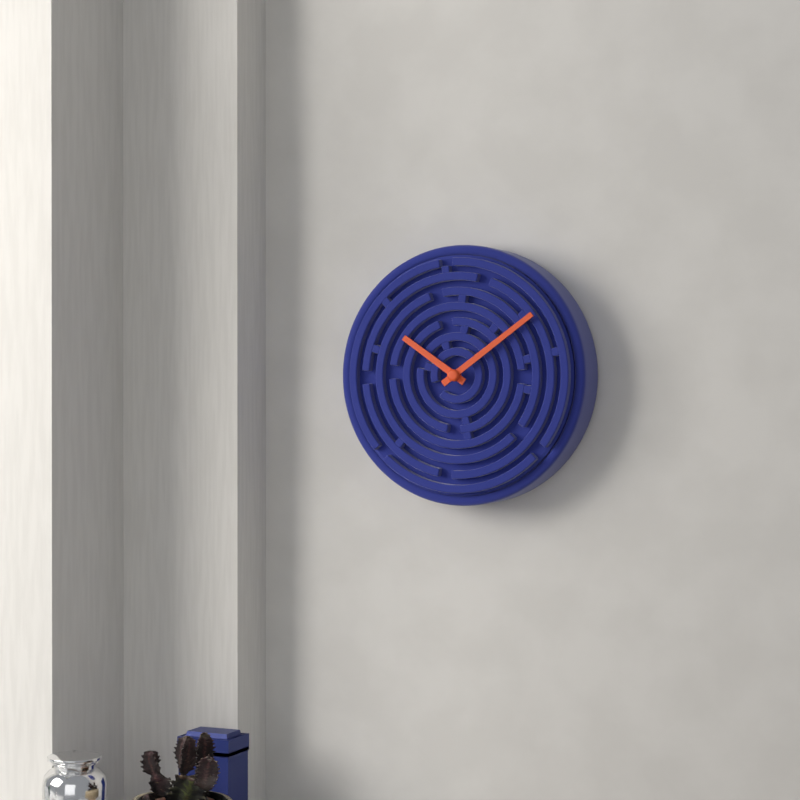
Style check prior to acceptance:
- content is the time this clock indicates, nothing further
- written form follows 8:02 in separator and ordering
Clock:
10:09
